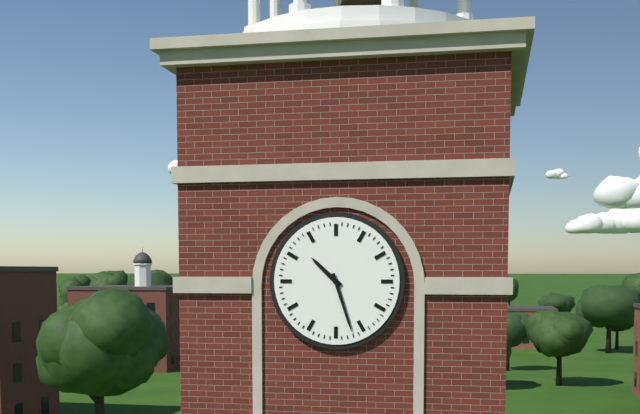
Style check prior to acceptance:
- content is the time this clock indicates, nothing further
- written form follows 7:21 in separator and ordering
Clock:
10:27
